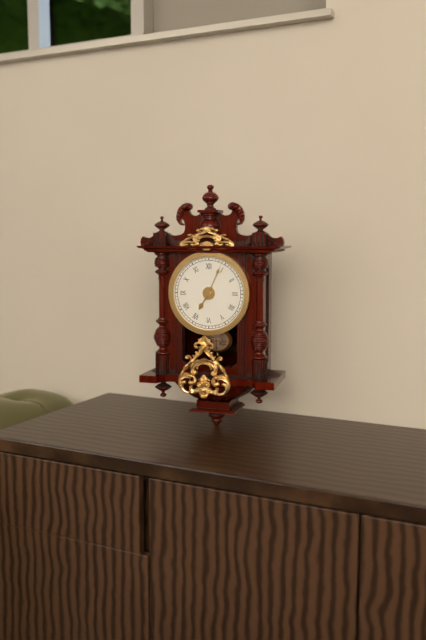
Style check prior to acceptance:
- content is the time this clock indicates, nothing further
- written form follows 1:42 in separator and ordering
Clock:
7:04
